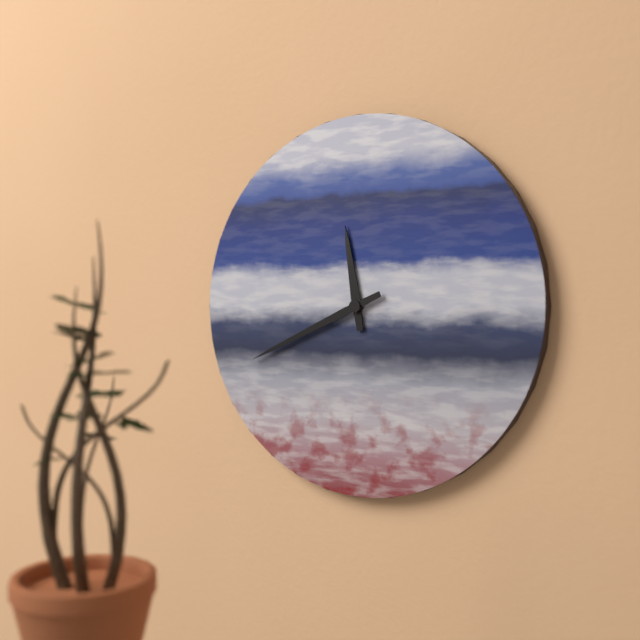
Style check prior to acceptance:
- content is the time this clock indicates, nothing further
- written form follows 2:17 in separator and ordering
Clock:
11:41
